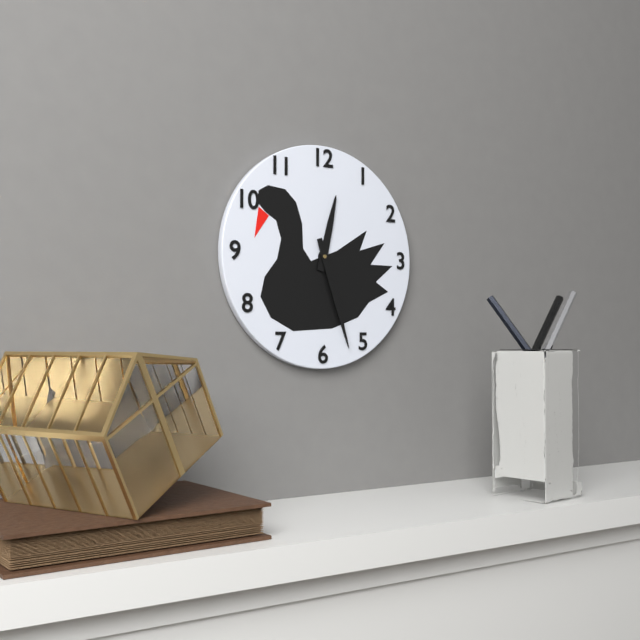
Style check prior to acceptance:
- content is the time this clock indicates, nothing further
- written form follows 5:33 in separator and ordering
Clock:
12:27
